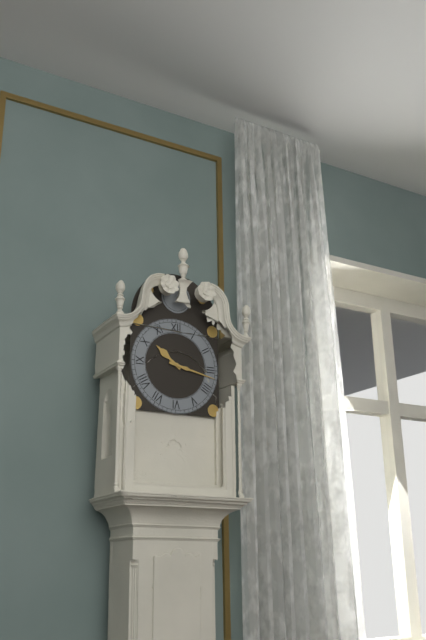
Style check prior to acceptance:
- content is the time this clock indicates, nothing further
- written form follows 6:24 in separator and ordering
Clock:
10:17
